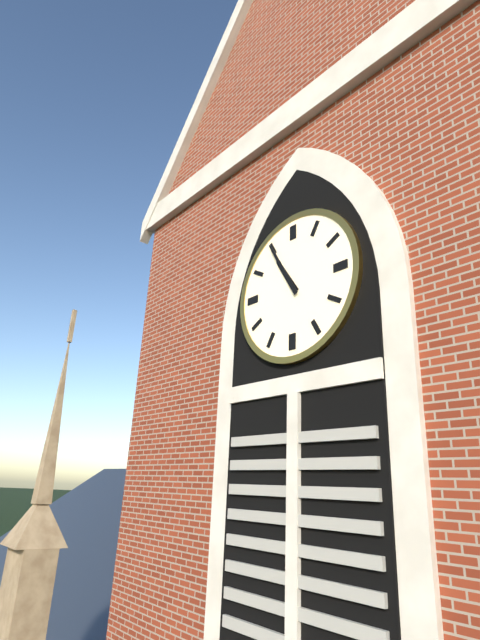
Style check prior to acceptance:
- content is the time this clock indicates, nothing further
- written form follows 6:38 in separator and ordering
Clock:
10:55
